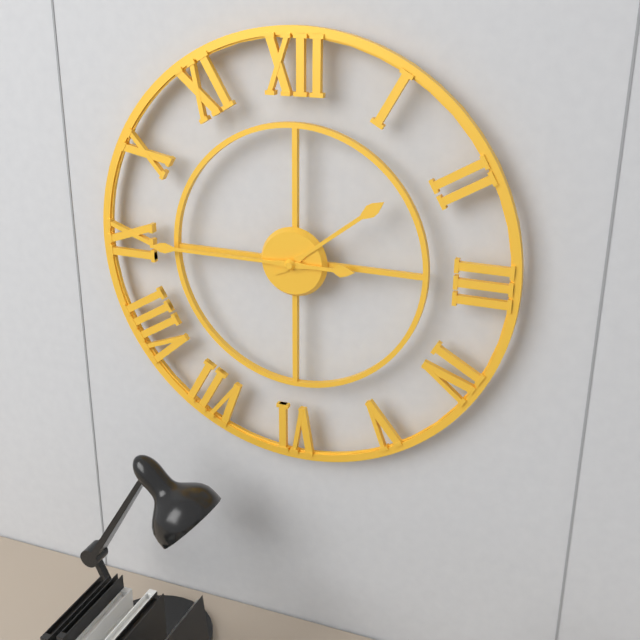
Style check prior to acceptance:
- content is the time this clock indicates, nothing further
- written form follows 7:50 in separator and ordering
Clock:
1:45
